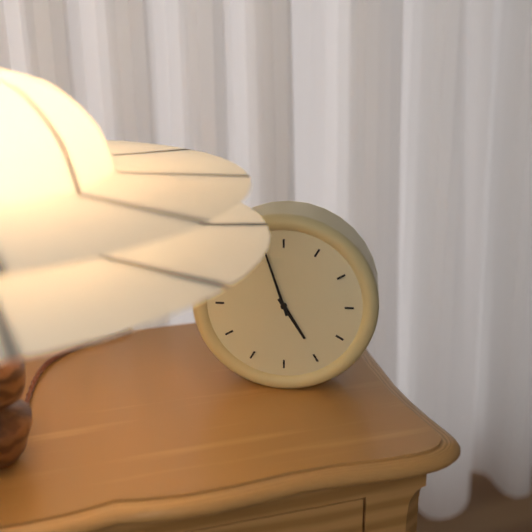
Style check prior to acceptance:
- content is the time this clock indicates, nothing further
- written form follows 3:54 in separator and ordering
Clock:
4:57
